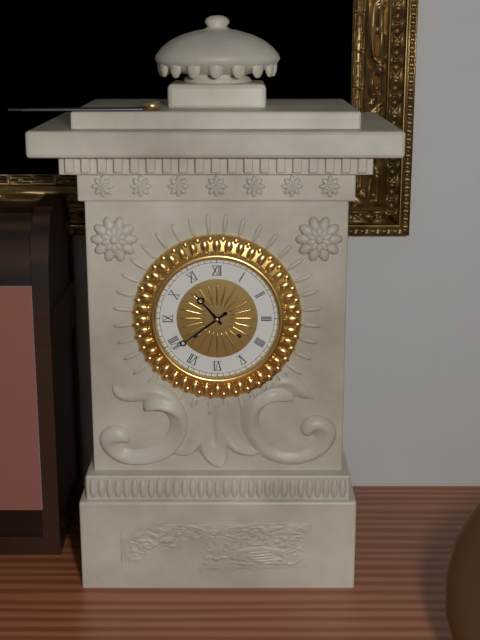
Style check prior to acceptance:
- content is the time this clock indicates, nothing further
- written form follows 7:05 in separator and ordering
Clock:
10:39
